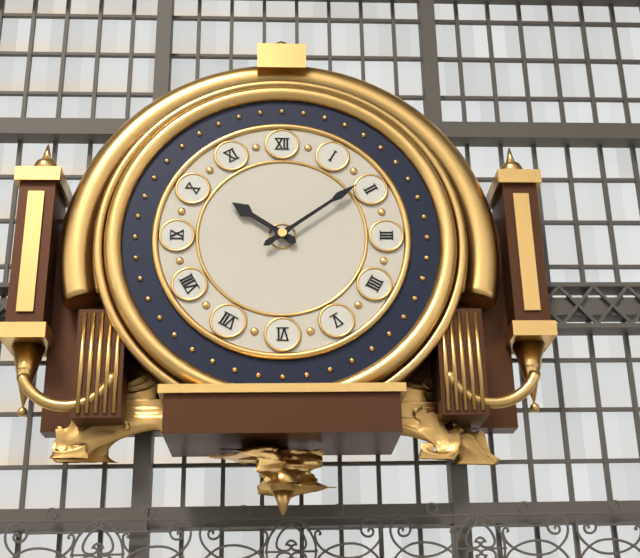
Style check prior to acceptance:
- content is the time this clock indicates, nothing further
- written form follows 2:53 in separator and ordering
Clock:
10:09
